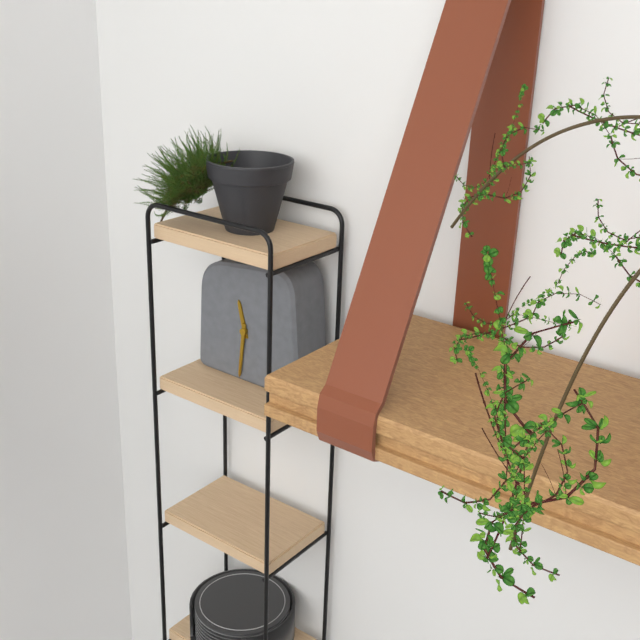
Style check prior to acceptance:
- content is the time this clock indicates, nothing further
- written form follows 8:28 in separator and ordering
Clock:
11:31
